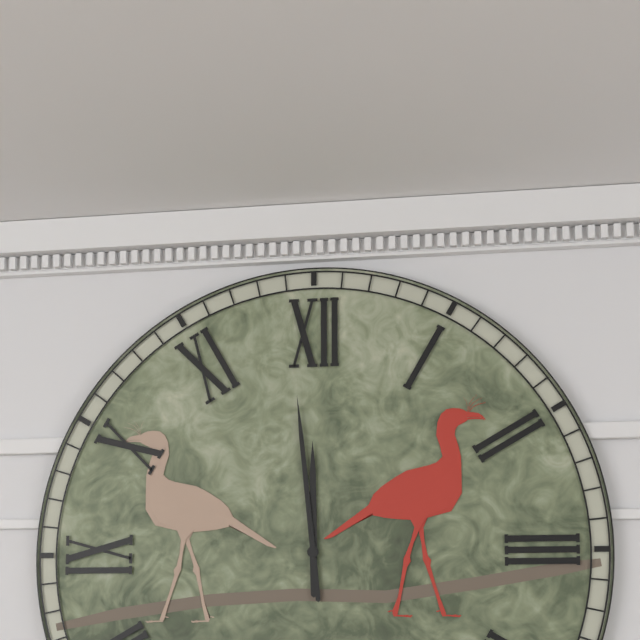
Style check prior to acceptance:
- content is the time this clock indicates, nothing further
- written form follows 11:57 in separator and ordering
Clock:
11:59
